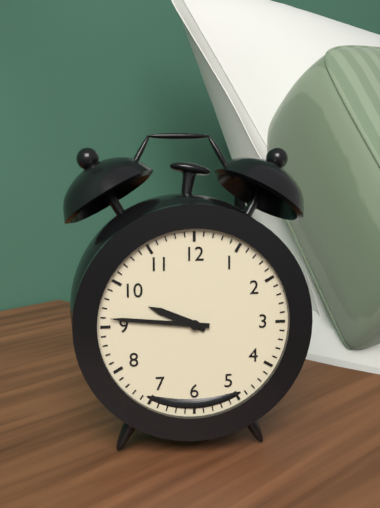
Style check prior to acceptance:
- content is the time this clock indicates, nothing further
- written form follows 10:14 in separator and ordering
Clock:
9:46
